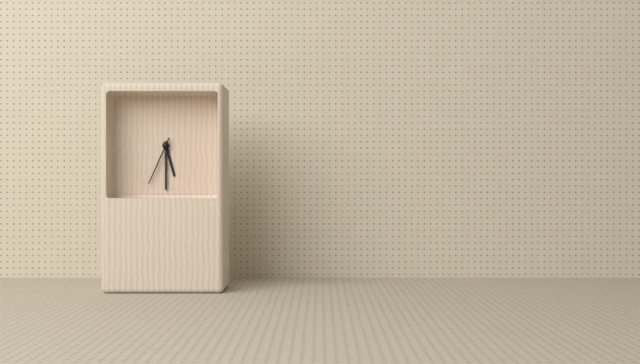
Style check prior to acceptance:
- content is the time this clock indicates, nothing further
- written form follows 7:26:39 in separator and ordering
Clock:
5:30:34
